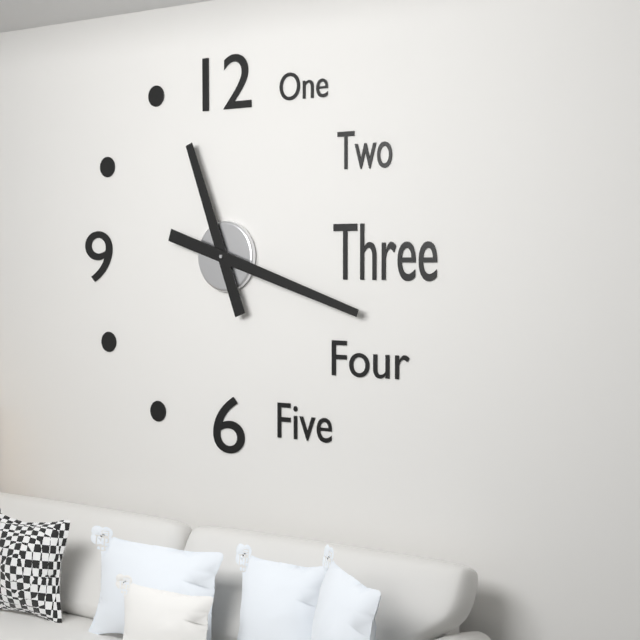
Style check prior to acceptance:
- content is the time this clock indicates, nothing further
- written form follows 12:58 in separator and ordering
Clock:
11:18
